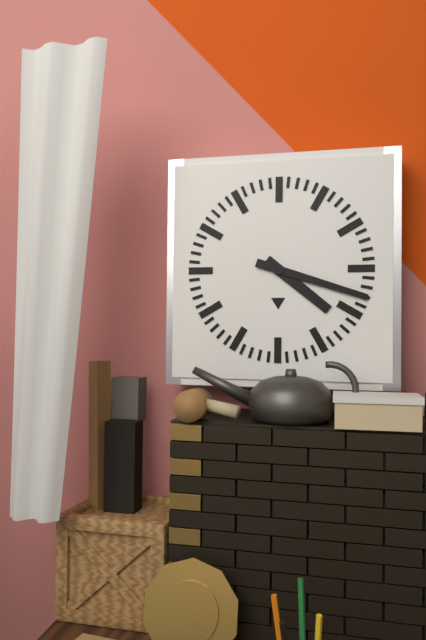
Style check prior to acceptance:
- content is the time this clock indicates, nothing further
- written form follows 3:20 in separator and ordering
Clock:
4:18
